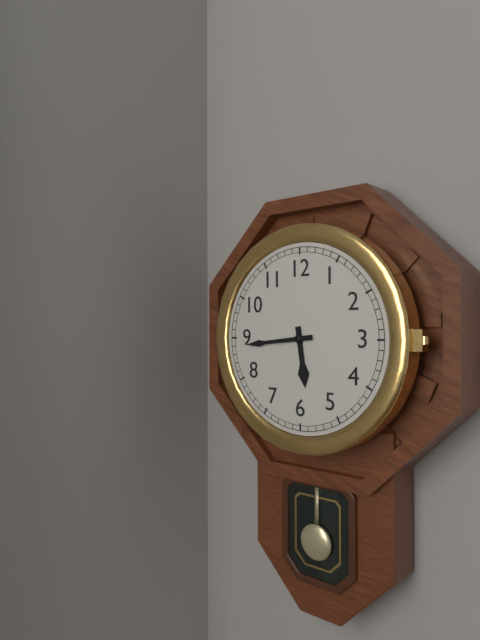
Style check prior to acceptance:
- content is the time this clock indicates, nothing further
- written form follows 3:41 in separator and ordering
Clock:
5:44
